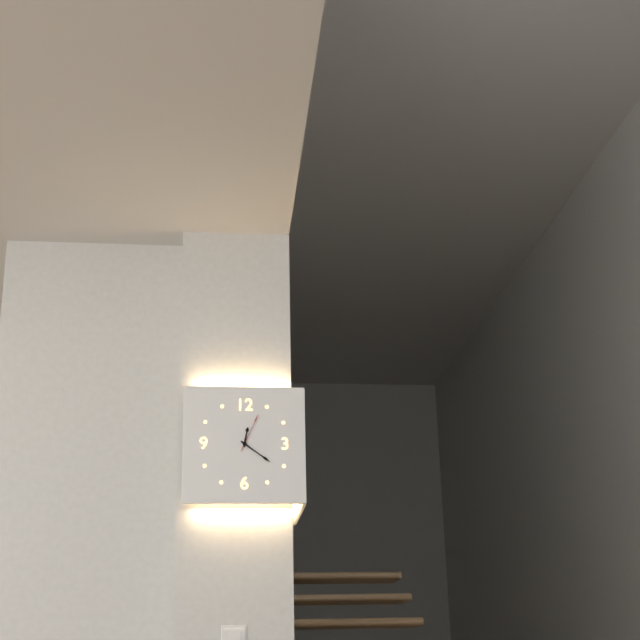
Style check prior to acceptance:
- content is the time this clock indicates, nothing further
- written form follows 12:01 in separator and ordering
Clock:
12:21
